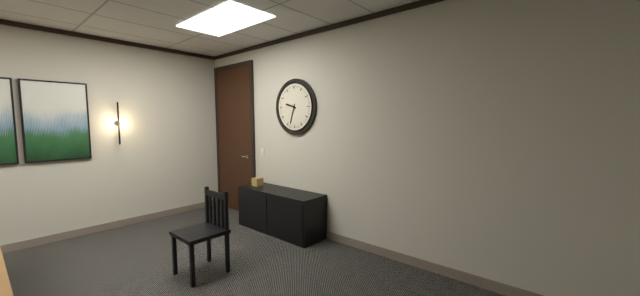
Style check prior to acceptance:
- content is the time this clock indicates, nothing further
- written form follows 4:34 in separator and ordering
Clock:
9:33
